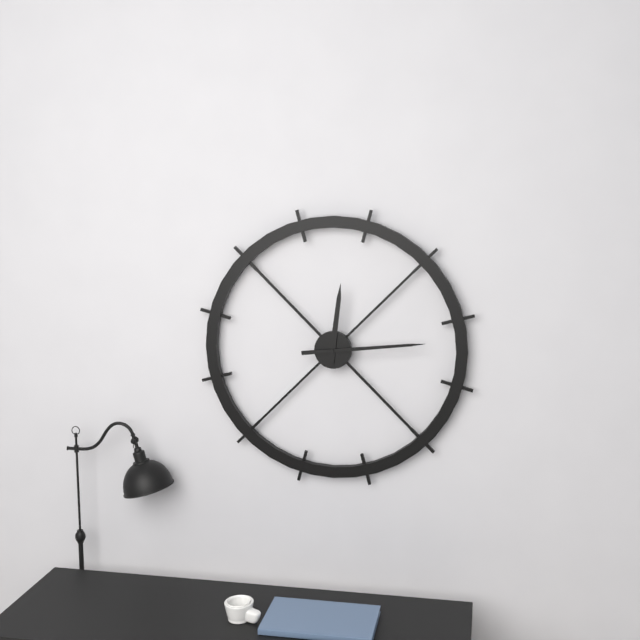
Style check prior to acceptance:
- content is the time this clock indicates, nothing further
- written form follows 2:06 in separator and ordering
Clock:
12:14
